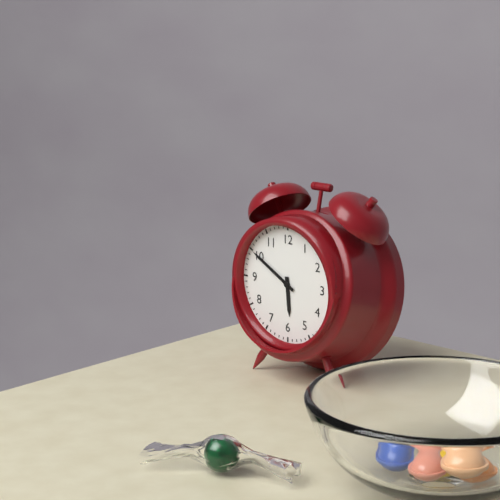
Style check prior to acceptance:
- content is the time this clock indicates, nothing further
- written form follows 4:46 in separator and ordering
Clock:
5:50
